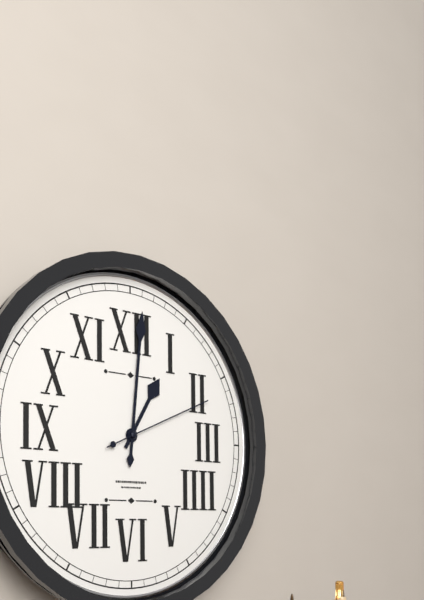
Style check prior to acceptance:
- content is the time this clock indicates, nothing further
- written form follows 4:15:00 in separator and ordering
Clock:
1:01:11
